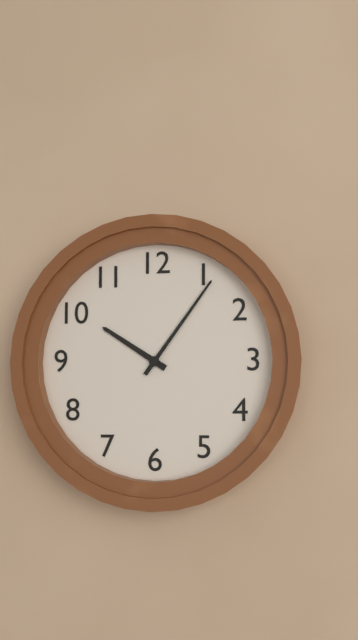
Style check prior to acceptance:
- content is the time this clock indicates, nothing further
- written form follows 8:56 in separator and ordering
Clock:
10:06
